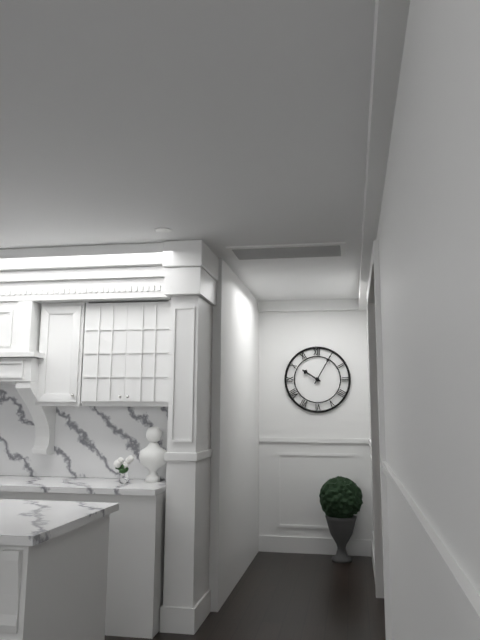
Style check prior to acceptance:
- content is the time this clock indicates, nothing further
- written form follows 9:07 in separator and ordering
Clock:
10:05
